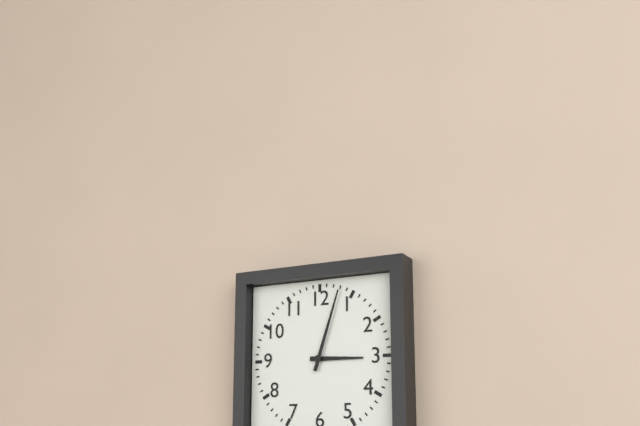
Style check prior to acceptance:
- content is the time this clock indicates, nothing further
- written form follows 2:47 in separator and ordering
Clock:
3:03
